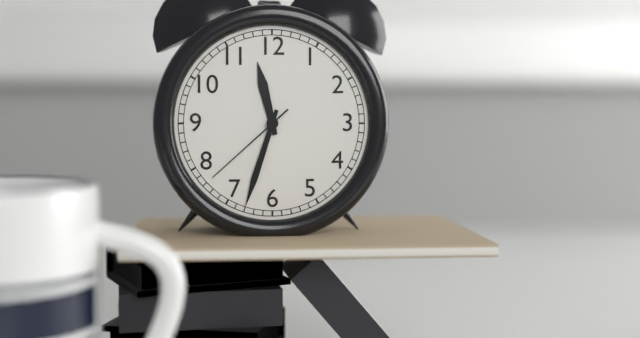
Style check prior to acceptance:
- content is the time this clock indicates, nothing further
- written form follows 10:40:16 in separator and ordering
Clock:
11:33:38
